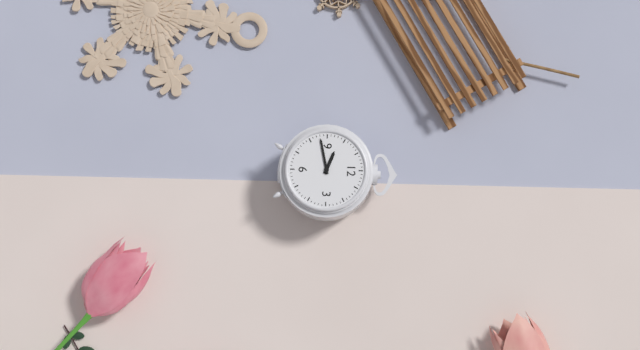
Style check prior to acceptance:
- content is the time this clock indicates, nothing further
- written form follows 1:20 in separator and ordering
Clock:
9:43
